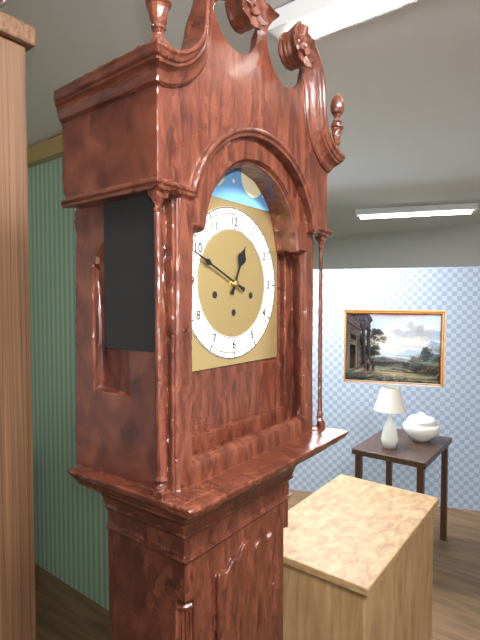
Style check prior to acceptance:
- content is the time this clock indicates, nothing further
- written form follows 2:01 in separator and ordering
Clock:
12:49
